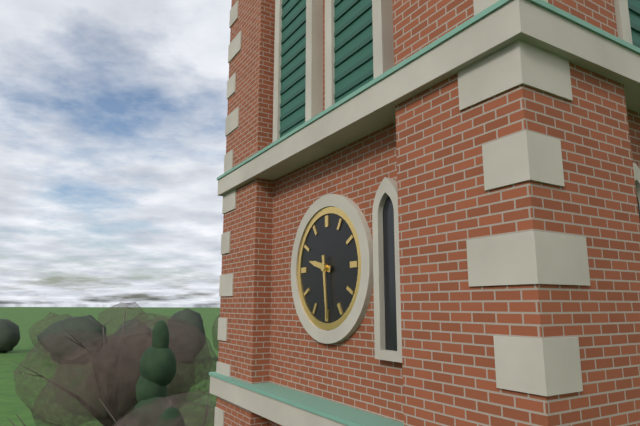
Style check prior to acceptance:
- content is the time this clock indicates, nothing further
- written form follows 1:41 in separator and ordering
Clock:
9:29
